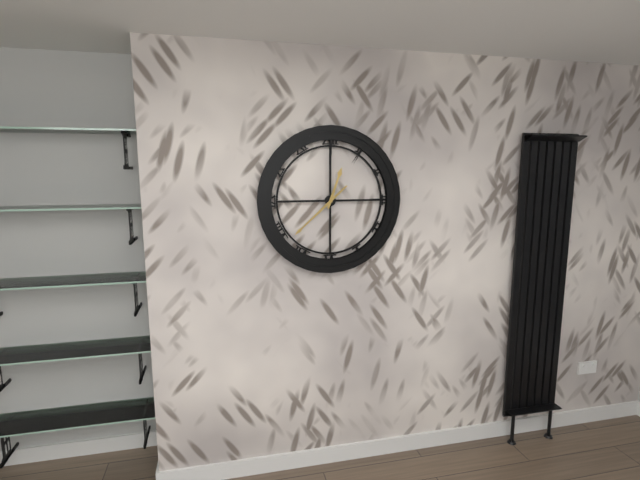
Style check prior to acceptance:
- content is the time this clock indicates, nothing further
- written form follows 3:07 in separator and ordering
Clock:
12:38
